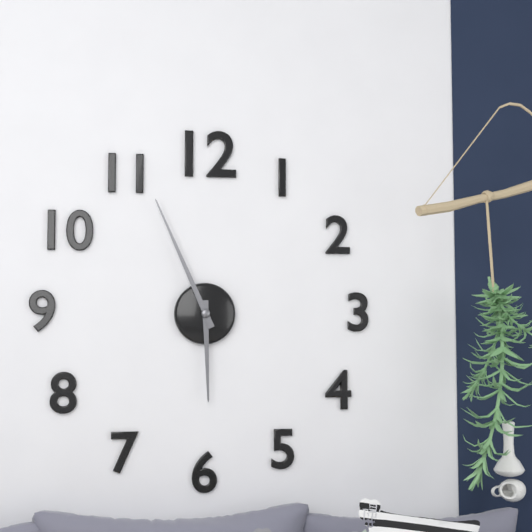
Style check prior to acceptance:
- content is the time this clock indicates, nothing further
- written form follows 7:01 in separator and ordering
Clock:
5:56
